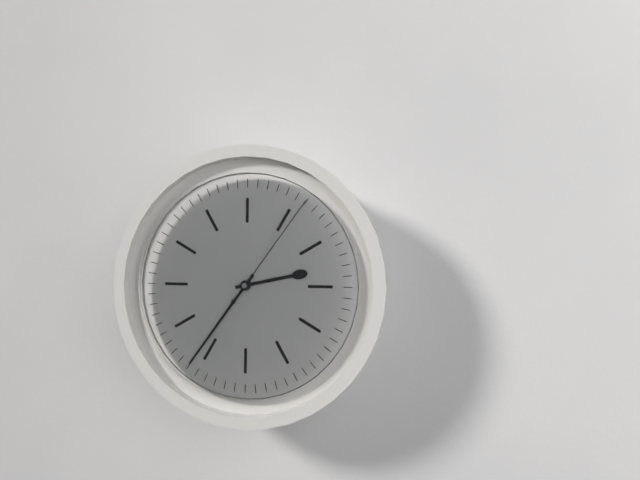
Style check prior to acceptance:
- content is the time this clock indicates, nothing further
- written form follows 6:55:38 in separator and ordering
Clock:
2:36:06
